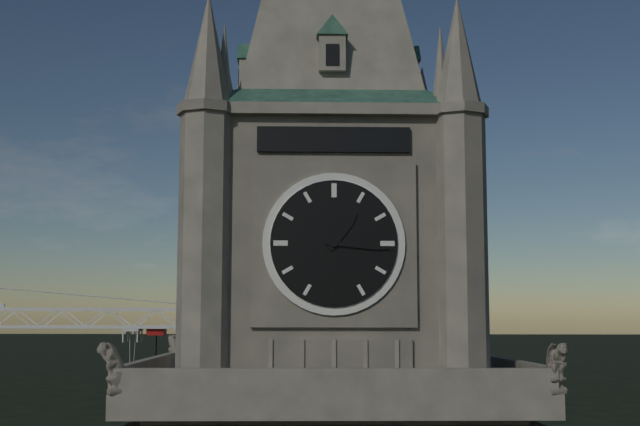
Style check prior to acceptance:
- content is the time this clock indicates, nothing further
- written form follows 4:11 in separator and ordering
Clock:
1:16
